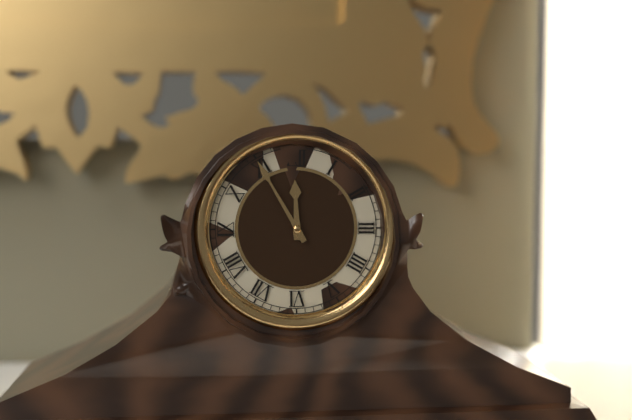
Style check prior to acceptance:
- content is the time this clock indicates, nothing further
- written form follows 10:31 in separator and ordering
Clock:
11:55
